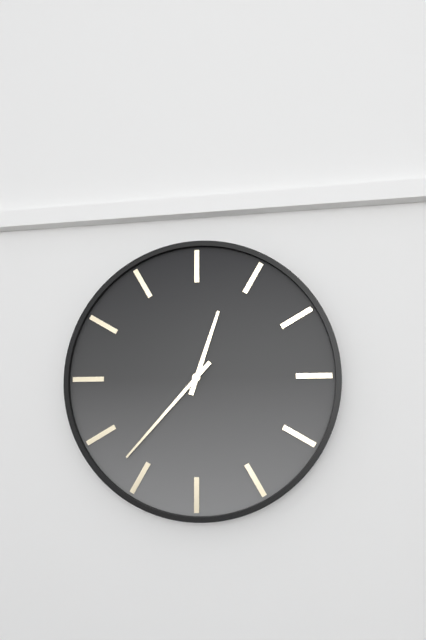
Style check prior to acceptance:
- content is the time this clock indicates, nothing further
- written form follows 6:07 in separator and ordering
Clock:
12:37
